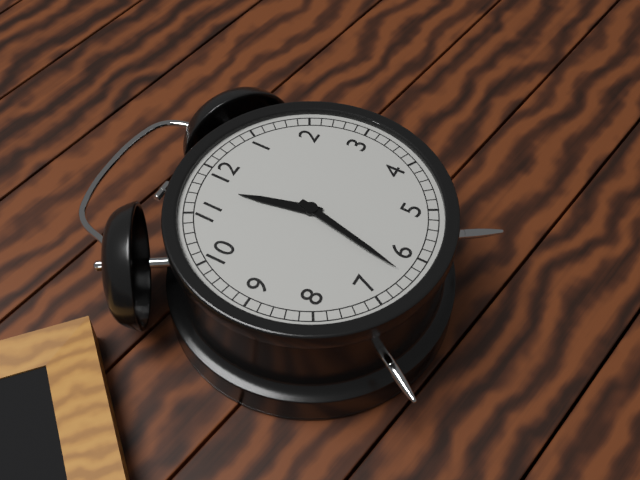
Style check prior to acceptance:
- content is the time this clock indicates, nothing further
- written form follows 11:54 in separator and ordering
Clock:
11:32
